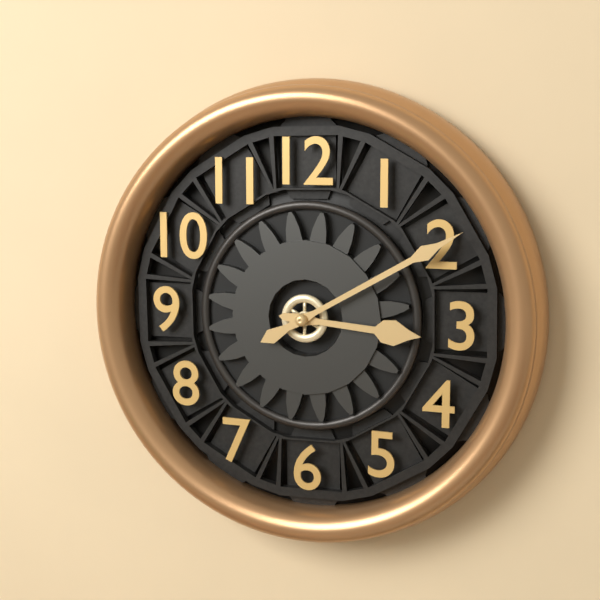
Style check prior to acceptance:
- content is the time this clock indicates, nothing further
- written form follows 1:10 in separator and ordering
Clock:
3:10
